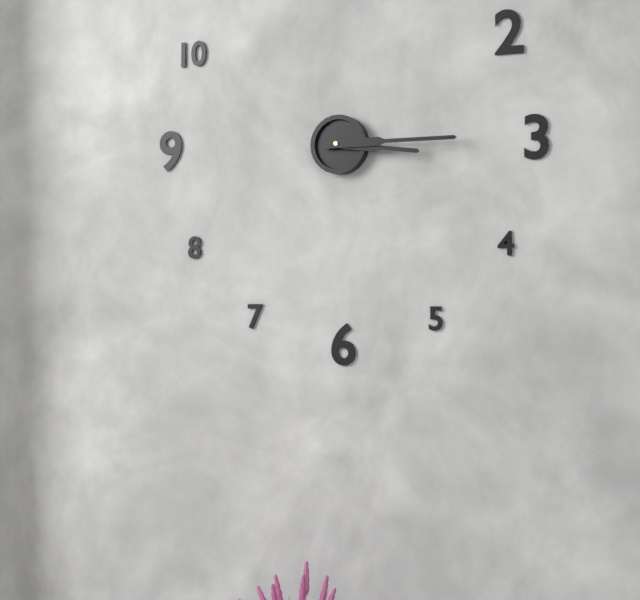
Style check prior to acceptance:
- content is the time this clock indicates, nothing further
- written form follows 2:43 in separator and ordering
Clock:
3:15
